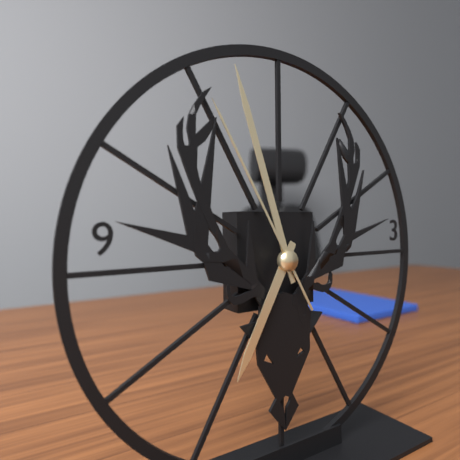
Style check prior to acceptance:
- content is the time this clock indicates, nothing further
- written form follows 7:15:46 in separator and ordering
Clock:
6:57:55
